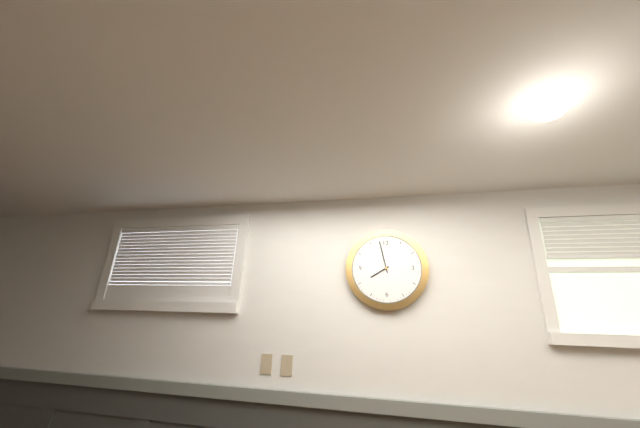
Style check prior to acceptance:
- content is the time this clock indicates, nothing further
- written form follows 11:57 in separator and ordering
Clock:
7:58
